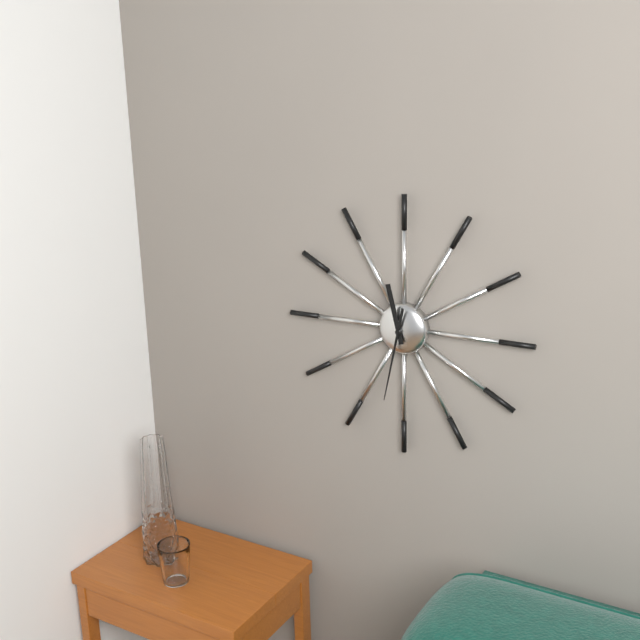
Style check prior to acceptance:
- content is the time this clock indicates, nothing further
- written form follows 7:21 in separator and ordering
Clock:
11:32
